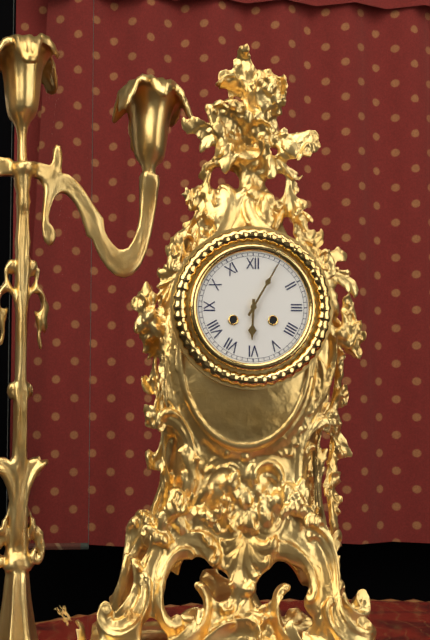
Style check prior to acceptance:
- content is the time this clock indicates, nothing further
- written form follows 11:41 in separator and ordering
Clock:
6:05
